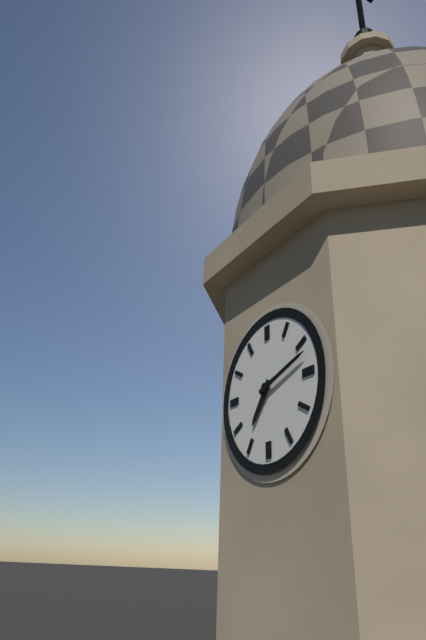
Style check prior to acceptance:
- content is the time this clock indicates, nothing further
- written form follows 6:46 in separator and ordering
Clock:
7:12
